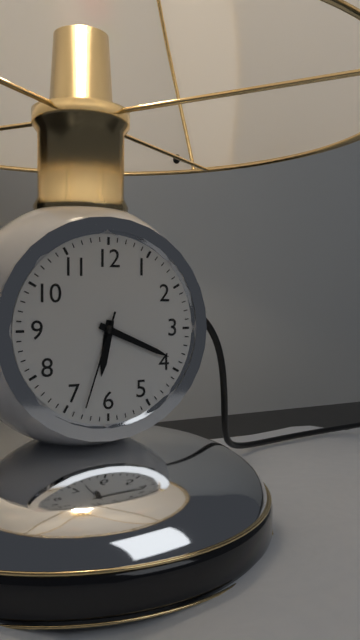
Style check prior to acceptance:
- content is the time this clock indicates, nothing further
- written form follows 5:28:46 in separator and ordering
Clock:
6:19:33
